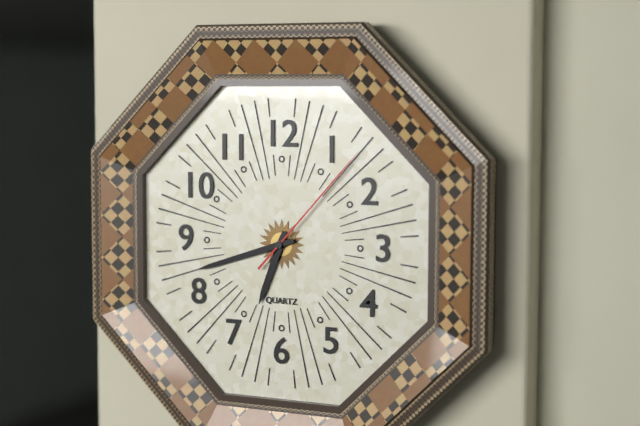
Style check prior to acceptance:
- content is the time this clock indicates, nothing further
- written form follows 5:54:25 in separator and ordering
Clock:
6:42:07
